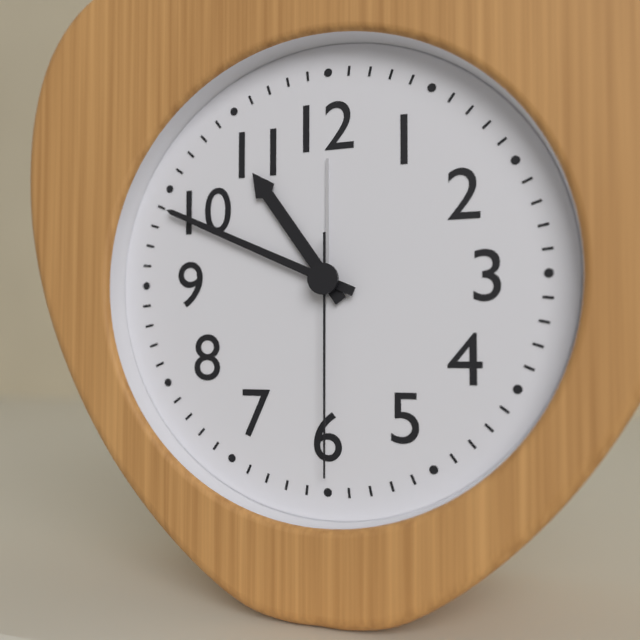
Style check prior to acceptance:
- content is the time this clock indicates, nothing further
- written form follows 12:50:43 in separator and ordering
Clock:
10:49:30
